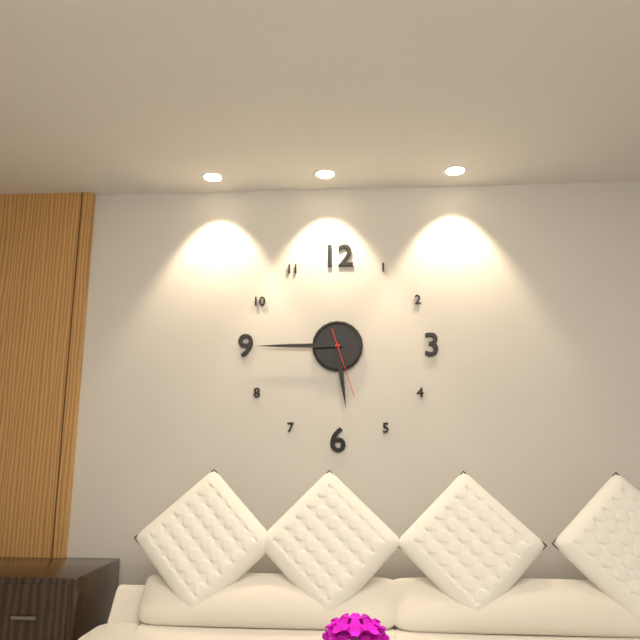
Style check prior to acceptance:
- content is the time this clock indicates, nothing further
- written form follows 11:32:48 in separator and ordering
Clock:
5:45:27
